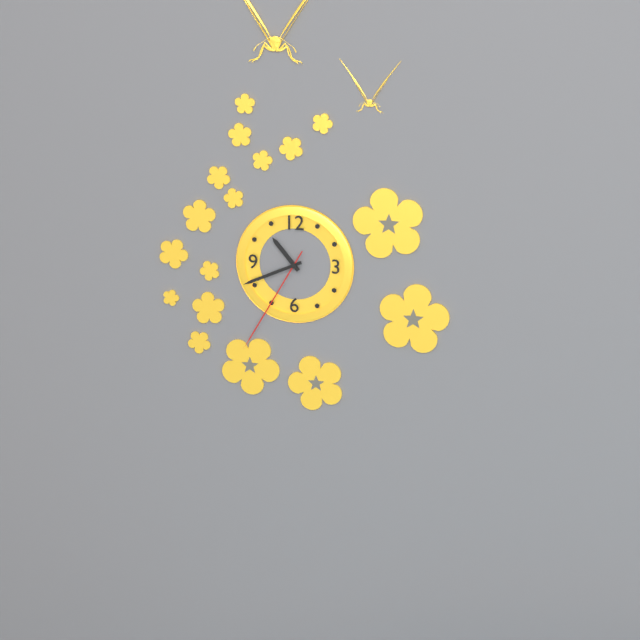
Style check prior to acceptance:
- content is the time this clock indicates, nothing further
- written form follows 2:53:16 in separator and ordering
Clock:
10:41:35
